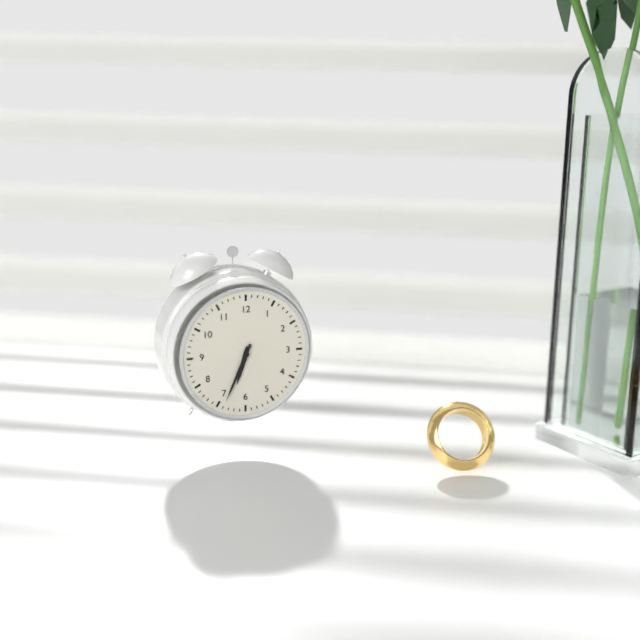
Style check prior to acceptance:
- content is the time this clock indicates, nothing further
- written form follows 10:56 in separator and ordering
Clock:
6:34
